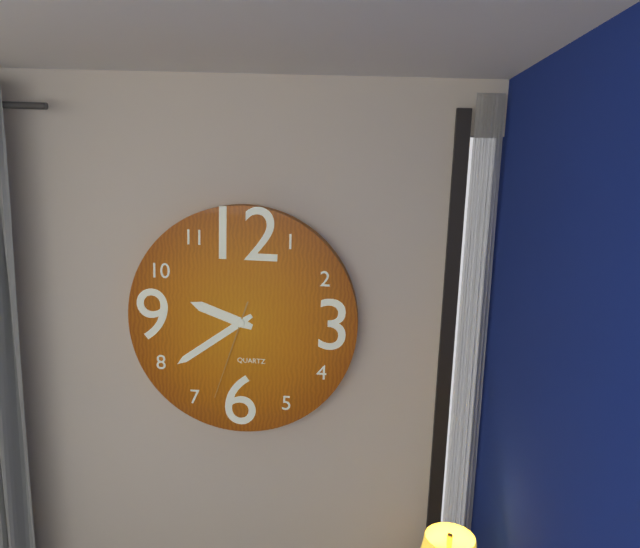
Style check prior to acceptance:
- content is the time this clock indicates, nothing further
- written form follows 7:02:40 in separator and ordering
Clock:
9:39:33
